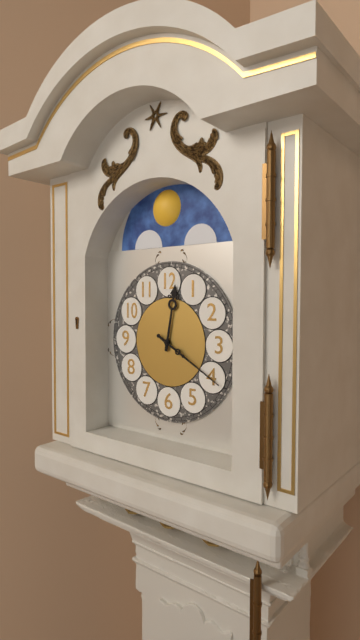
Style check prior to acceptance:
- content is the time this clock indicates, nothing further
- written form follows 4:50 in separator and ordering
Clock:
12:20
